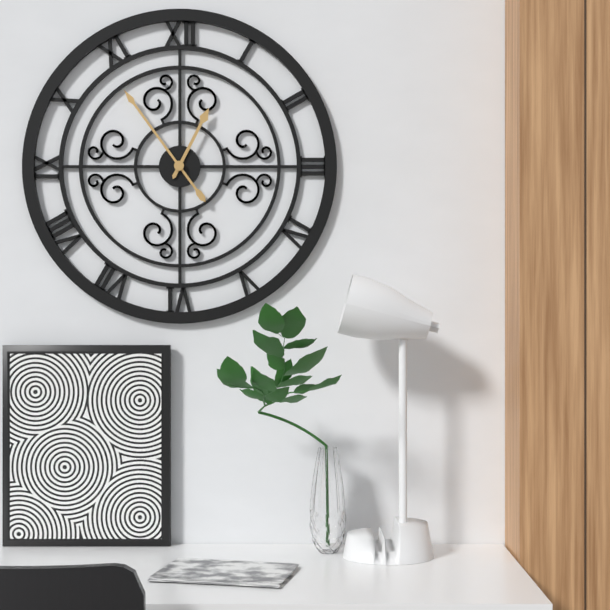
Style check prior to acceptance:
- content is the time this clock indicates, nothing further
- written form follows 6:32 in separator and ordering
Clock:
12:54
